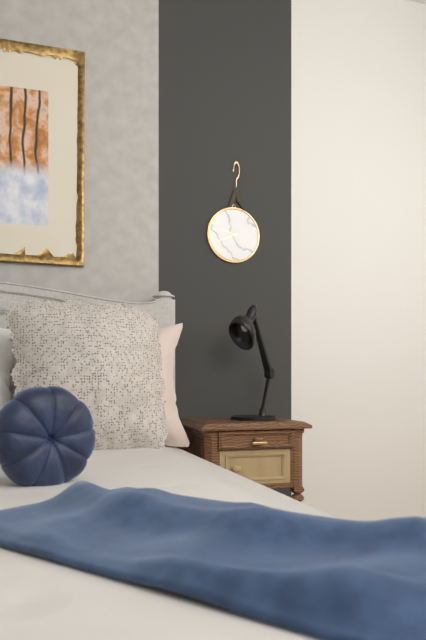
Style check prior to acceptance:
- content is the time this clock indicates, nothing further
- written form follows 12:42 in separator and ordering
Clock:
9:41
